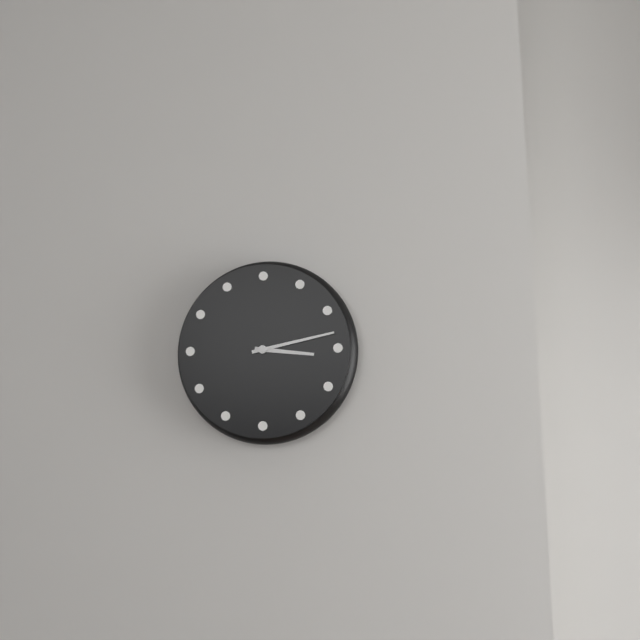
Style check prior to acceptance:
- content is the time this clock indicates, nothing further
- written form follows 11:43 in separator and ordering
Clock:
3:13
